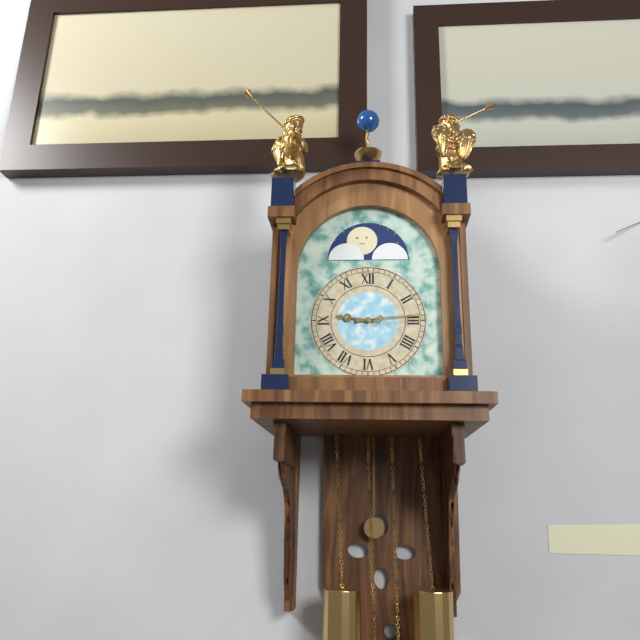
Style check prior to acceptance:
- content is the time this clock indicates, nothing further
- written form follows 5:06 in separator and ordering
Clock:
9:14
